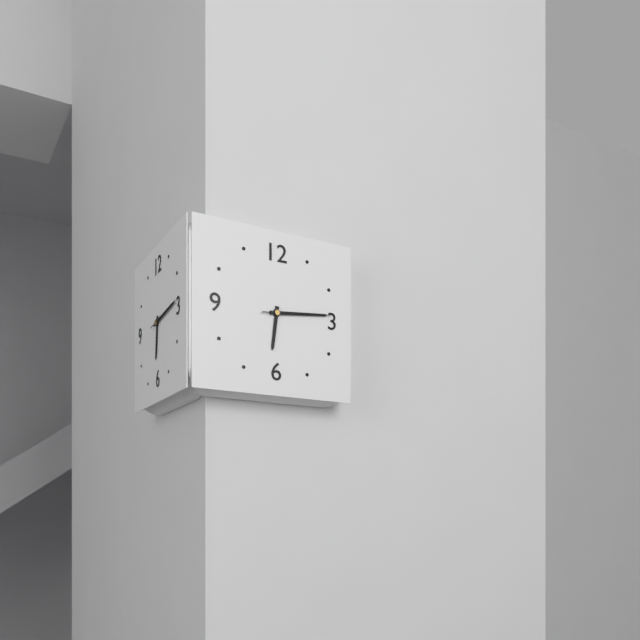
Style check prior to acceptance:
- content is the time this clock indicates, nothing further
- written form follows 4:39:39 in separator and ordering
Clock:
6:14:14
